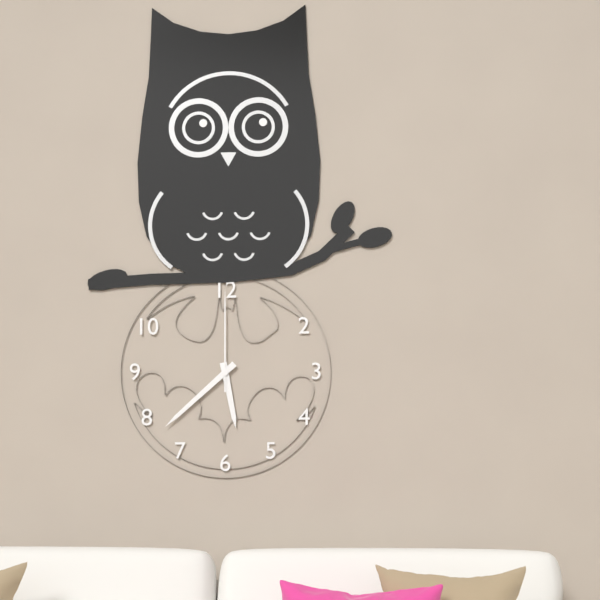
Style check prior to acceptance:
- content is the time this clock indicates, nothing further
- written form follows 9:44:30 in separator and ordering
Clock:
5:38:00
